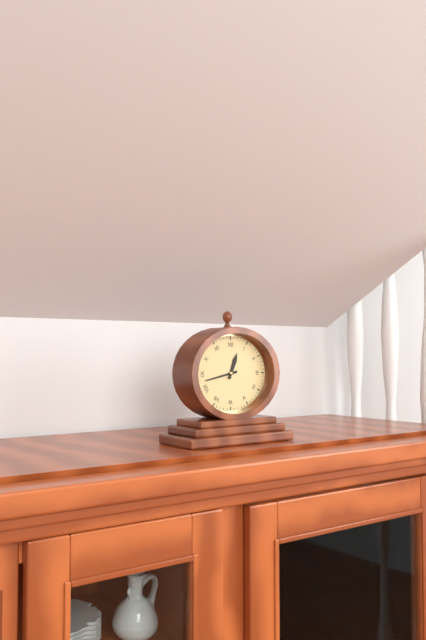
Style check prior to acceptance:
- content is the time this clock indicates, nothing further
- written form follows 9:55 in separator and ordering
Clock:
12:43
